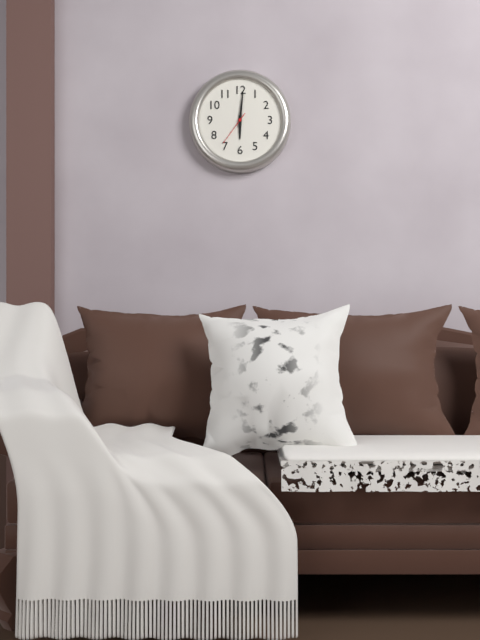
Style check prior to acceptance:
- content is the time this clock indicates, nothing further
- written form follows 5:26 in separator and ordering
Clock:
6:01
